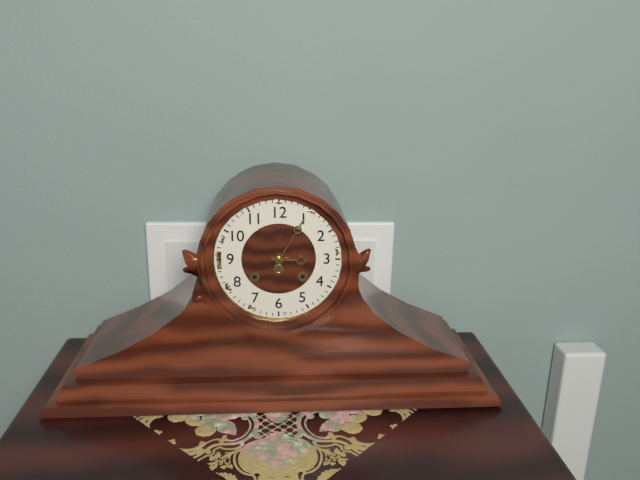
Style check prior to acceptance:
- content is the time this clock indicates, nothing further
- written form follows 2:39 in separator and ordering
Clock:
3:05
